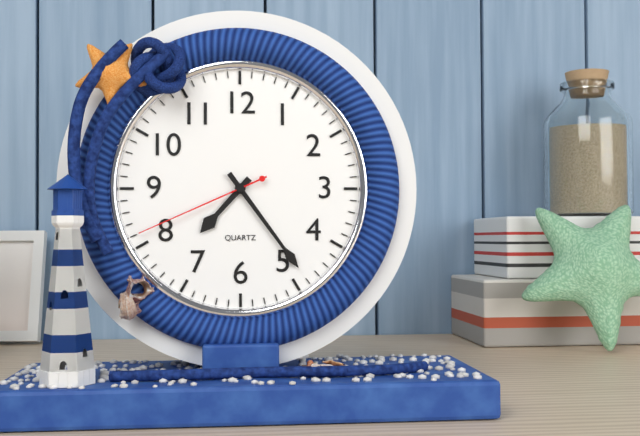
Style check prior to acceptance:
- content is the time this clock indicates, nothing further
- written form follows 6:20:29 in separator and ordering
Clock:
7:24:41
